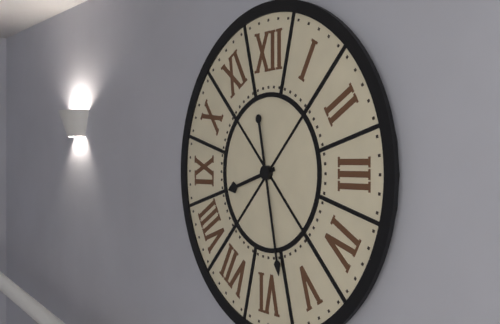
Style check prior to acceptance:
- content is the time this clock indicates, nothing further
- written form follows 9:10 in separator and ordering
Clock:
8:28
